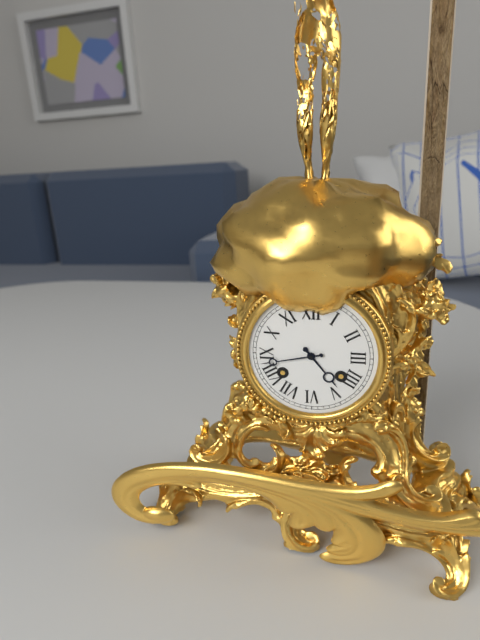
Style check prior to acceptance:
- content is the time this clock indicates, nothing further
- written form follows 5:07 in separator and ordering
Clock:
4:43
